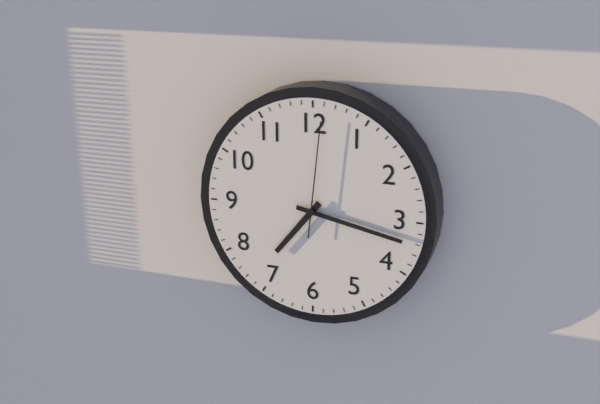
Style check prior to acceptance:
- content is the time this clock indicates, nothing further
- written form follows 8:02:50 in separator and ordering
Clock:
7:17:01
